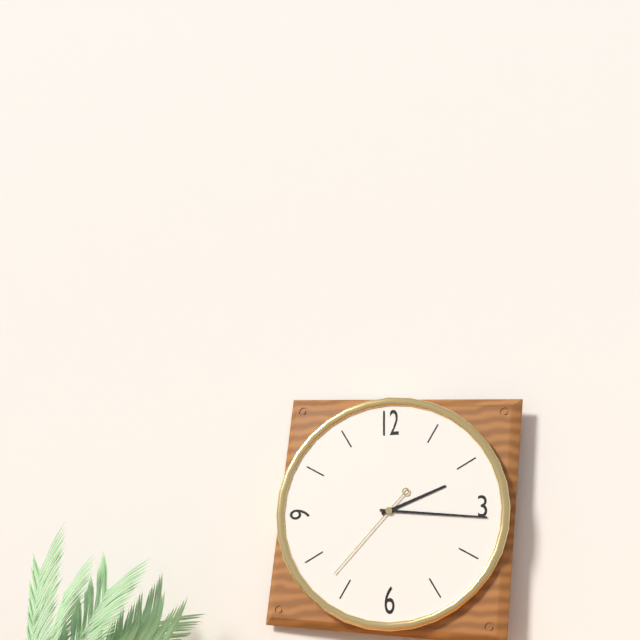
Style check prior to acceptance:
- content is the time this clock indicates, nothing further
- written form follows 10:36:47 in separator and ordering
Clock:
2:16:37
